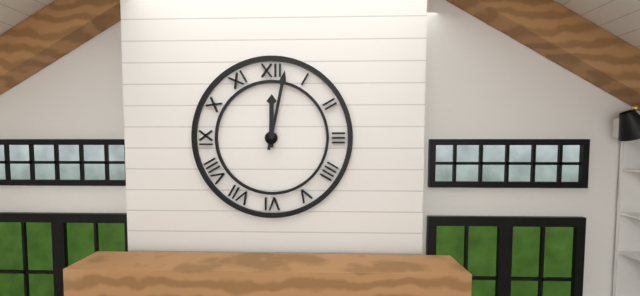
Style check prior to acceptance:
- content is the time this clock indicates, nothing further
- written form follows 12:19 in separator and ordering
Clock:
12:02
